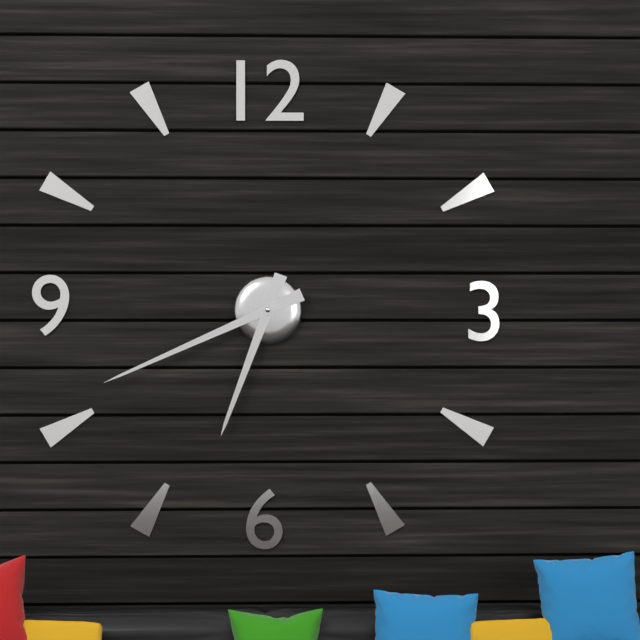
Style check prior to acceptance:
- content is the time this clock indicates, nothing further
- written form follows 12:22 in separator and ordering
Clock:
6:41
